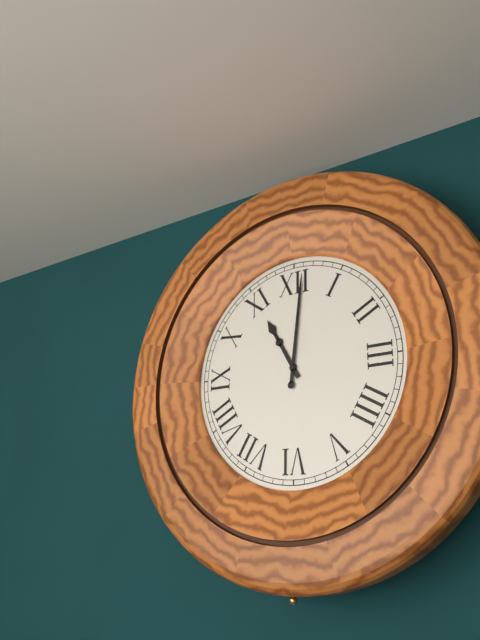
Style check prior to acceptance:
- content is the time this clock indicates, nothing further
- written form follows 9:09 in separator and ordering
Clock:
11:01
